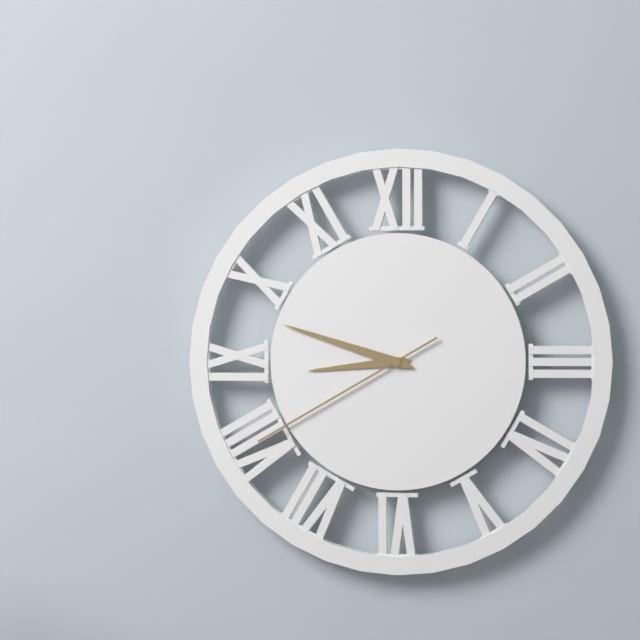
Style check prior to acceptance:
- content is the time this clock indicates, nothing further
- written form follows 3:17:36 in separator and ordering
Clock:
8:48:40
